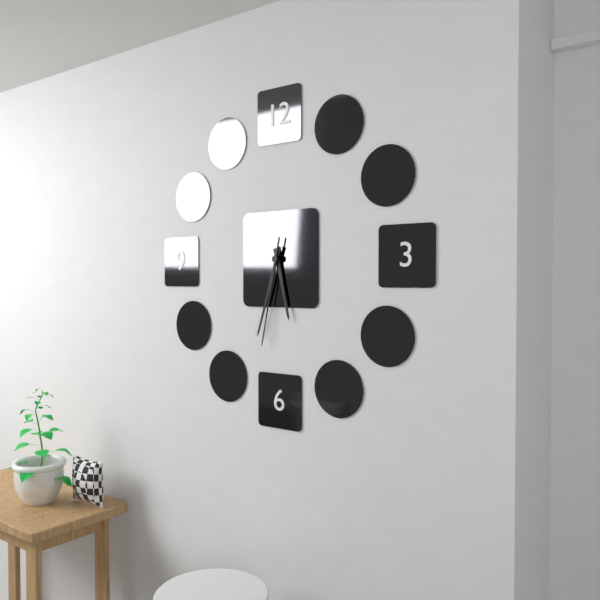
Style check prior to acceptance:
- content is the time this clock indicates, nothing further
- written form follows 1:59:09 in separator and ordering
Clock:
5:33:32
